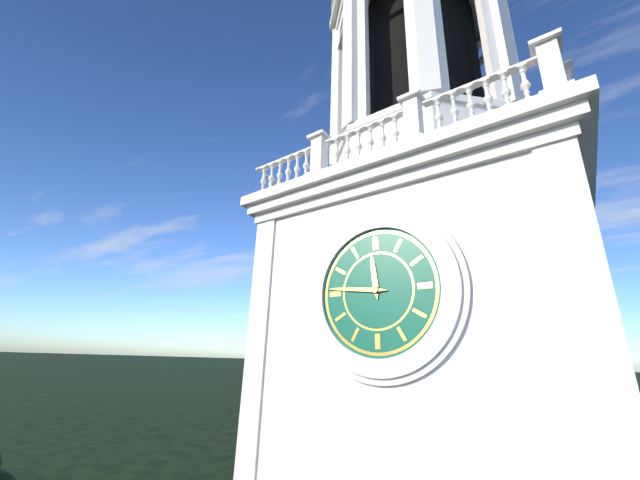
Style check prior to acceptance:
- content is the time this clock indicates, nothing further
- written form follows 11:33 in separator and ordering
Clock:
11:46
